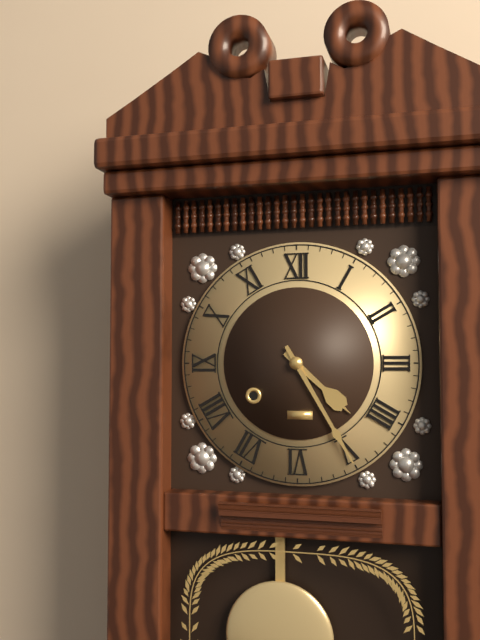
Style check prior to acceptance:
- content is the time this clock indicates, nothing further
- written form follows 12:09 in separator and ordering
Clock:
4:25
